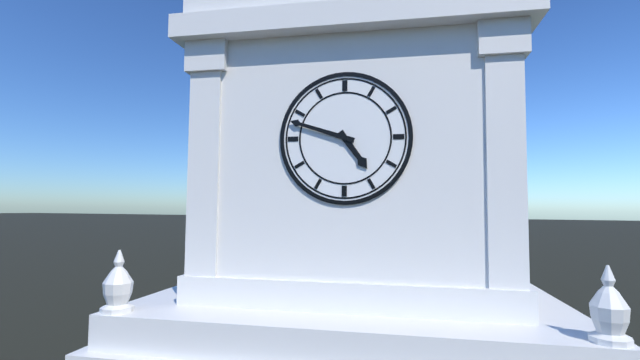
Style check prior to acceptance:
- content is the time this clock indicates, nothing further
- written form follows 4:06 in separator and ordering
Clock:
4:48
